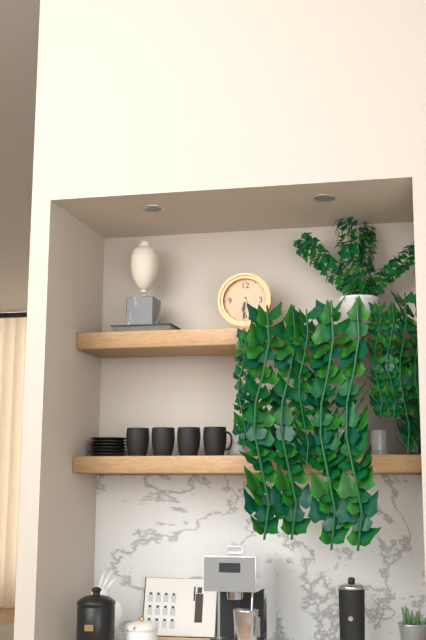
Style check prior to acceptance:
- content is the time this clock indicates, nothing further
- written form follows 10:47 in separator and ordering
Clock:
6:31
